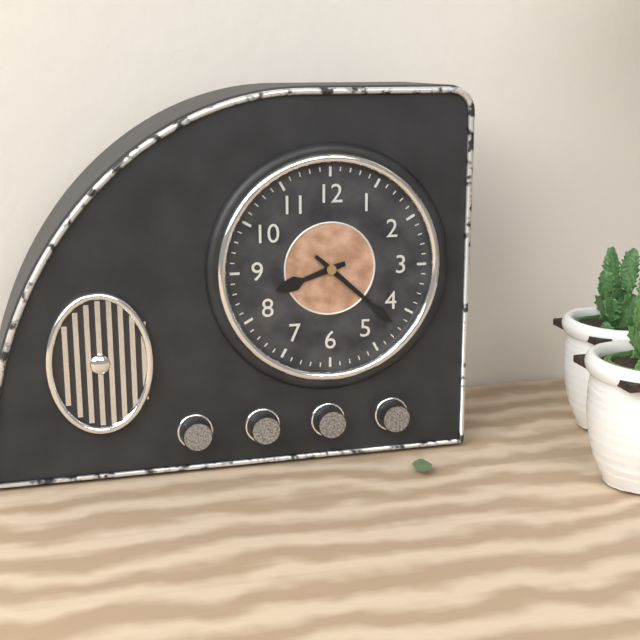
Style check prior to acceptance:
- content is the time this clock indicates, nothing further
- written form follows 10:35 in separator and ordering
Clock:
8:22
